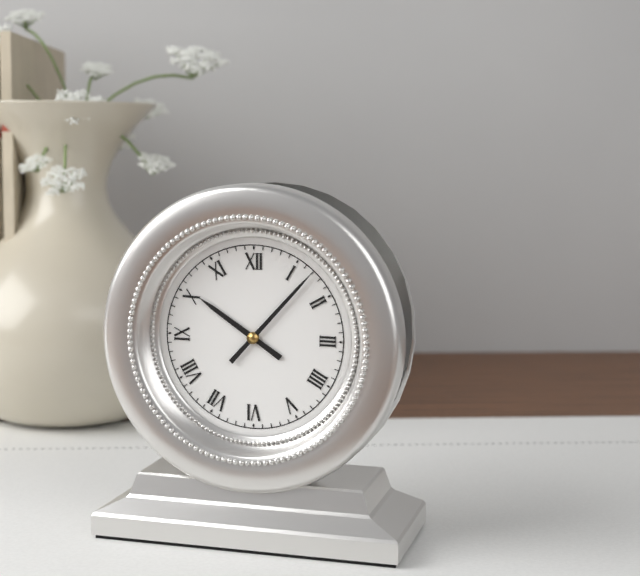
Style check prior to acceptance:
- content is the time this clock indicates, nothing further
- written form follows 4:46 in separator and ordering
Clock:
10:07
